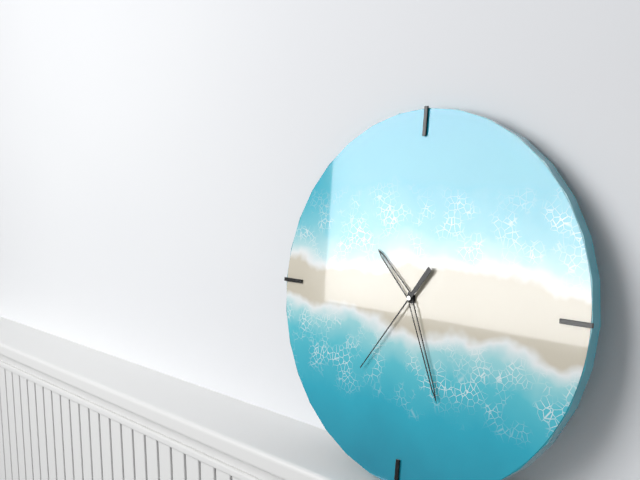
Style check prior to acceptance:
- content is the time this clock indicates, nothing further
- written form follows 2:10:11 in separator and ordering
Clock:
10:26:36
